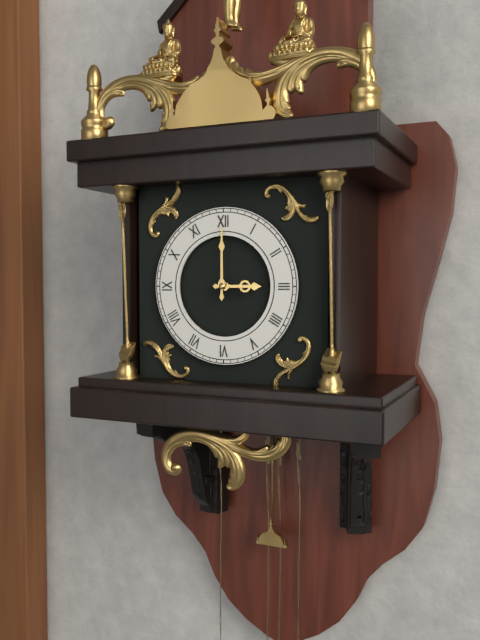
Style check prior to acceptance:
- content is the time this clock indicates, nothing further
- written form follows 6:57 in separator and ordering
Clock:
3:00
